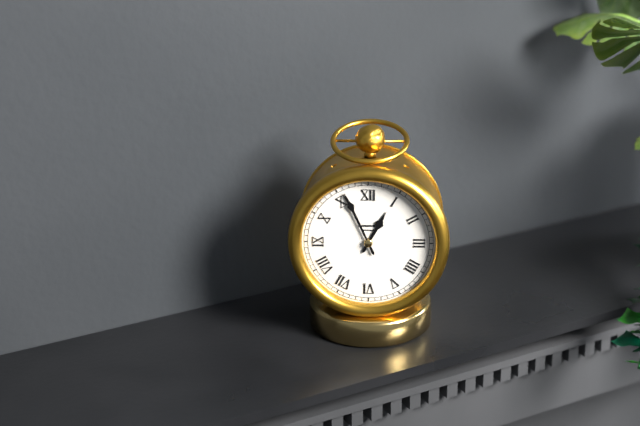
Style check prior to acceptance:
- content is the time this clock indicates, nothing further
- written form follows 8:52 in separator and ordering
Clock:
12:56
